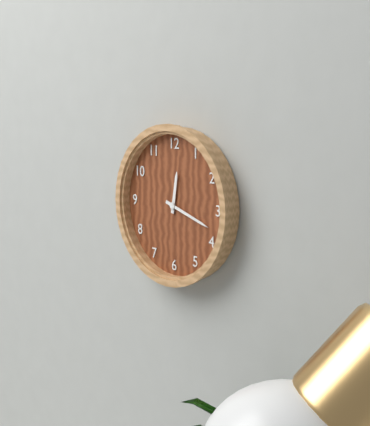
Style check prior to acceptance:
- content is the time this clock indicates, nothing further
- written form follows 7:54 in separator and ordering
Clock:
12:18
